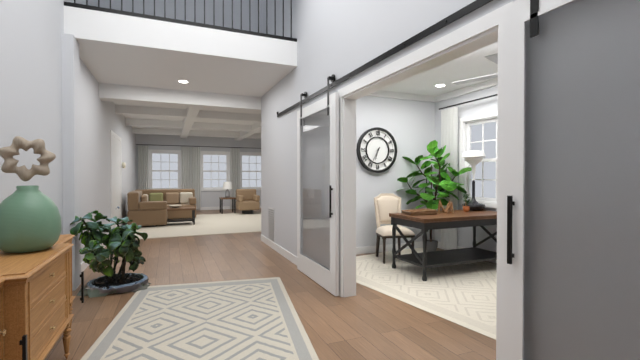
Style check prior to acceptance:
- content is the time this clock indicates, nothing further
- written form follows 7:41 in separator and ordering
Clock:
6:35
